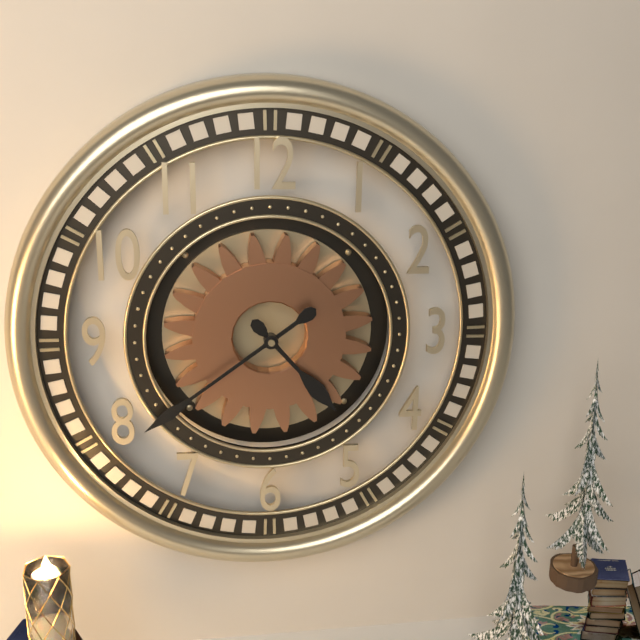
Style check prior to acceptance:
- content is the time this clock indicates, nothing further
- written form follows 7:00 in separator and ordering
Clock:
4:39
